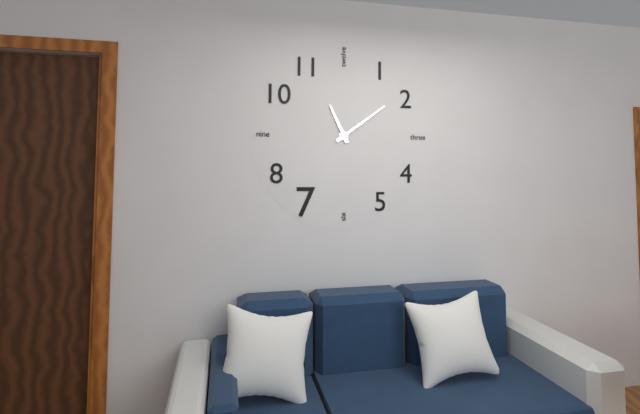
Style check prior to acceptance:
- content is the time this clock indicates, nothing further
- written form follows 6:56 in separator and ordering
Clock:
11:09
